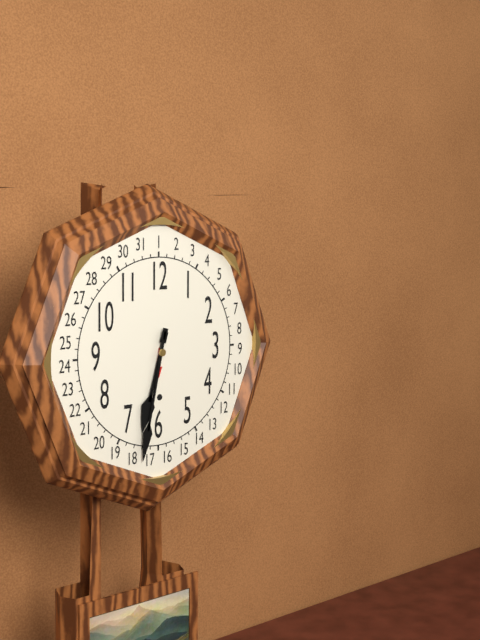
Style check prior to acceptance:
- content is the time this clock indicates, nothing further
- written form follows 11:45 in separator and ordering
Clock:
6:32
